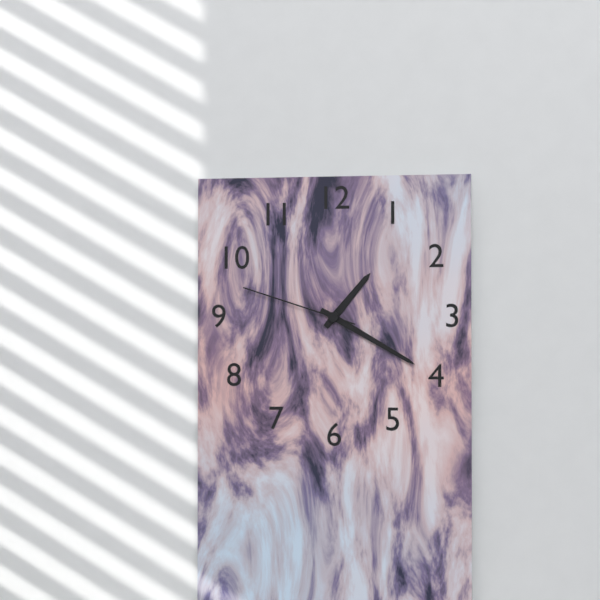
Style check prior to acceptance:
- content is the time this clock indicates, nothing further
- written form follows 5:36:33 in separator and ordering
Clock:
1:20:48
